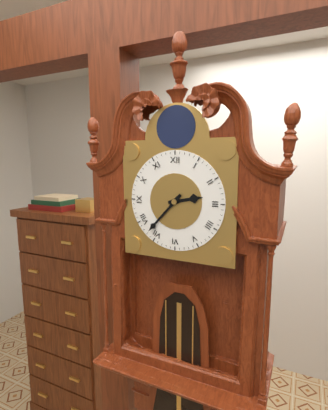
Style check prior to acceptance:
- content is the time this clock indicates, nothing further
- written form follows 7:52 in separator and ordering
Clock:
2:37
